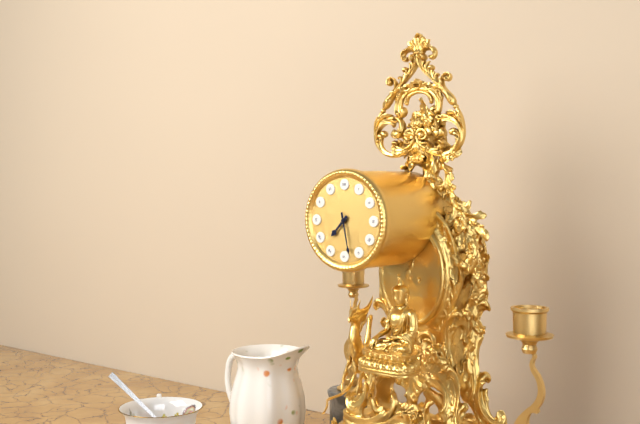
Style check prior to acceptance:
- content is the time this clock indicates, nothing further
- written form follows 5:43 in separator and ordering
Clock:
7:28
